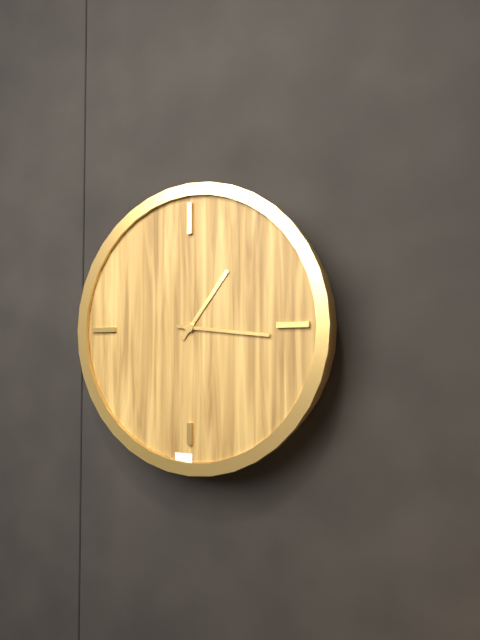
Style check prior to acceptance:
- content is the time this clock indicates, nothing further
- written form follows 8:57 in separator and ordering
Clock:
1:16
